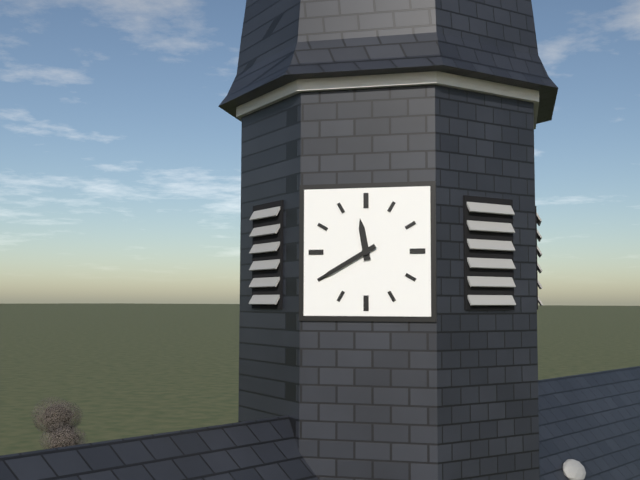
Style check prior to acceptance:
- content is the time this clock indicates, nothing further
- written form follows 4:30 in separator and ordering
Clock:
11:40
